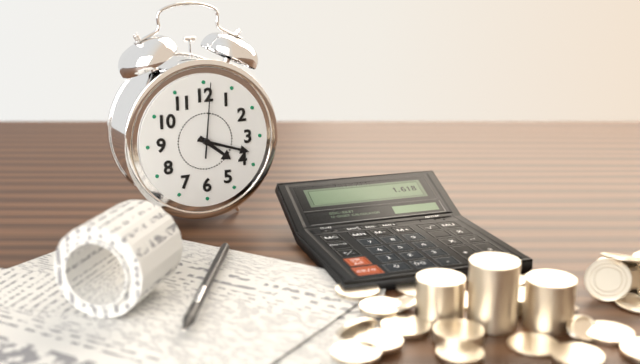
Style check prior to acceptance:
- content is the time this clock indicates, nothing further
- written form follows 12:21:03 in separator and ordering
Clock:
4:18:01
